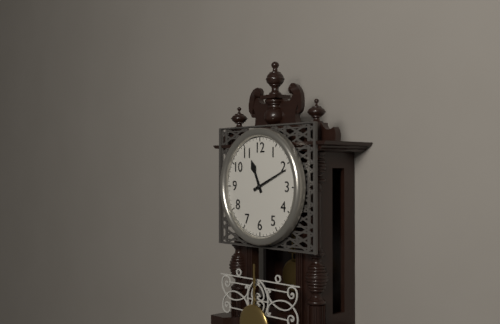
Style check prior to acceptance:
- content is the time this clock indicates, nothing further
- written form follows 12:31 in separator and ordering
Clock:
11:11
